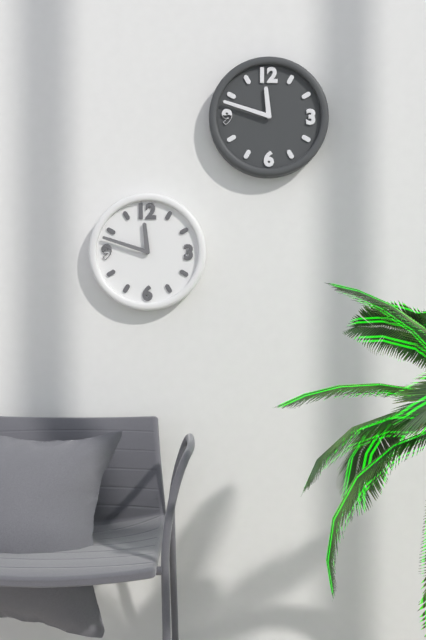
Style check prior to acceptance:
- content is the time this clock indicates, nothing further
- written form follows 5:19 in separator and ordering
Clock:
11:48
